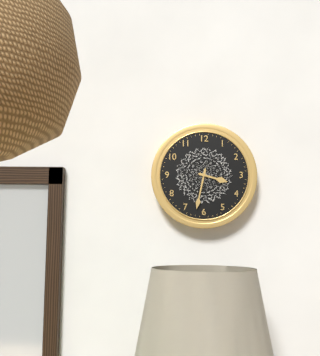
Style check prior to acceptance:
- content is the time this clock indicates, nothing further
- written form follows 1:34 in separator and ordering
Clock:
3:32
